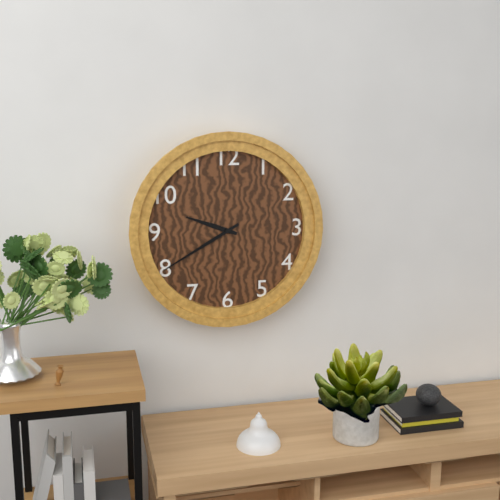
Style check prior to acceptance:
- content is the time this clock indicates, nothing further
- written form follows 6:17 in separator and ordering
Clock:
9:40
